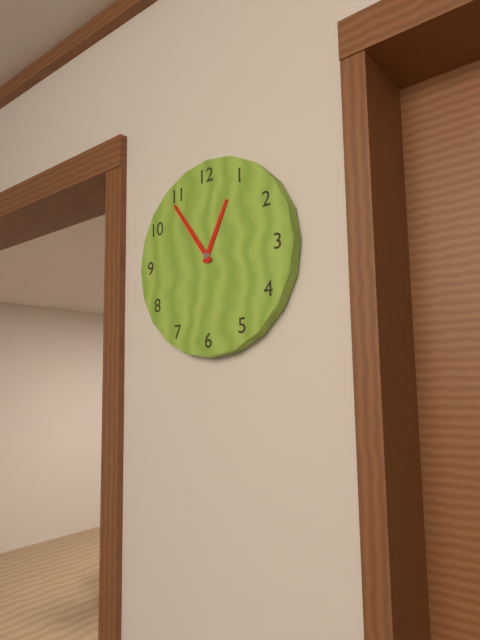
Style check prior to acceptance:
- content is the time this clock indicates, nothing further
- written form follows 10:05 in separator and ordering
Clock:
12:54
